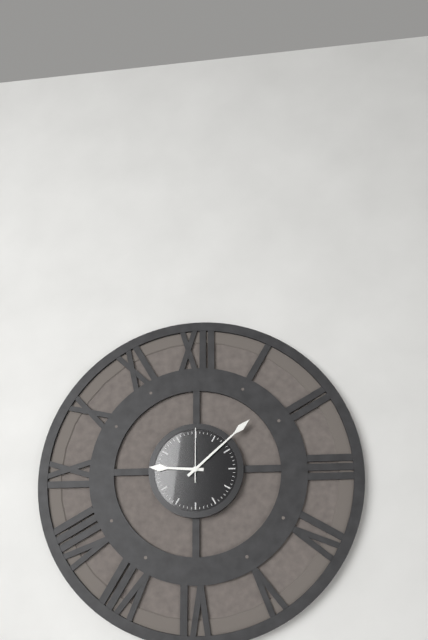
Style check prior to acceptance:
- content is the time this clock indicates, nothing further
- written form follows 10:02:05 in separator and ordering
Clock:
9:08:00
